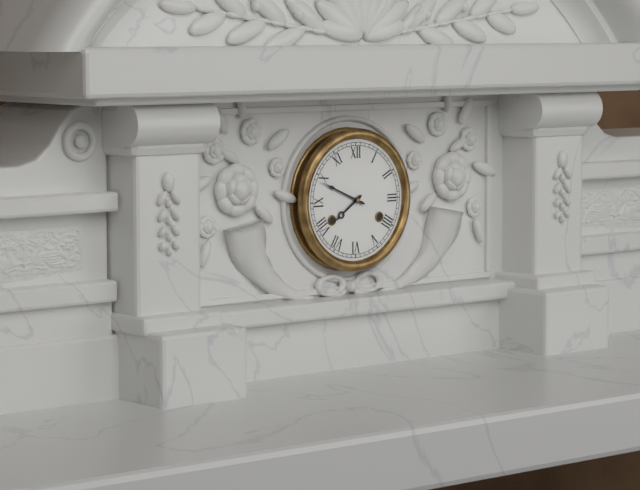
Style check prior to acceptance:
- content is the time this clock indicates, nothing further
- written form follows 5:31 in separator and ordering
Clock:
7:49
